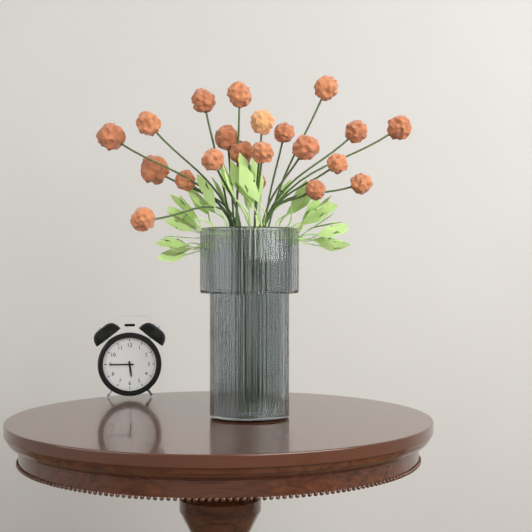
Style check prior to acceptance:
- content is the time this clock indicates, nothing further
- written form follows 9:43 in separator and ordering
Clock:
5:45
